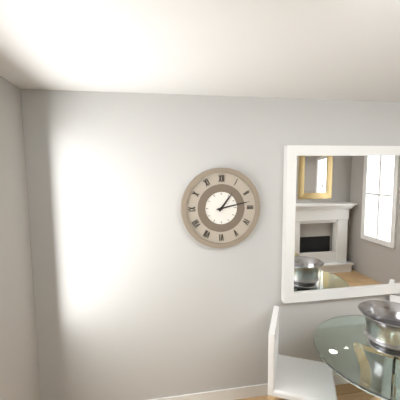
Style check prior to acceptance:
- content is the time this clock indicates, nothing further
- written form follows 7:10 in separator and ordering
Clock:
1:13
